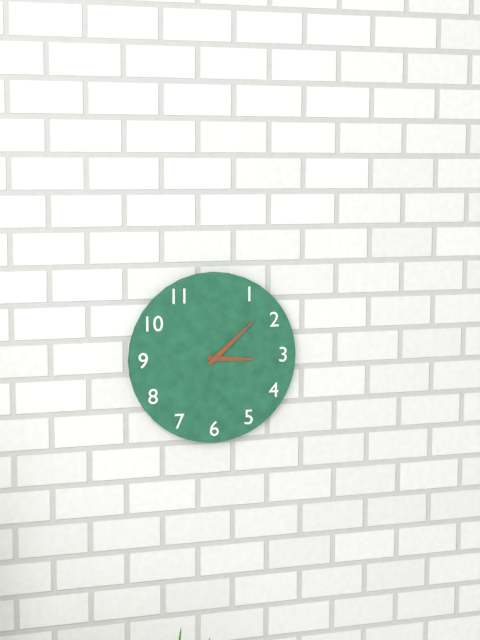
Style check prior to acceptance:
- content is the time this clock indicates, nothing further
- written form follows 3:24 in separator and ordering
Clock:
3:08
